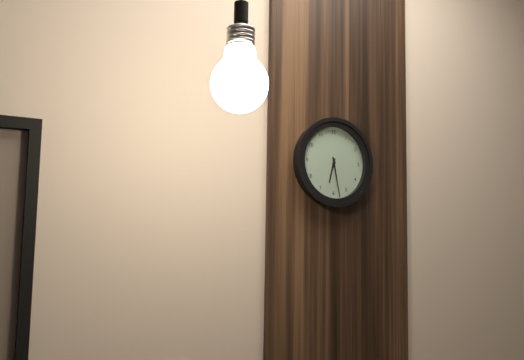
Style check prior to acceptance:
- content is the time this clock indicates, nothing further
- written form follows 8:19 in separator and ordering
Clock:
6:28
